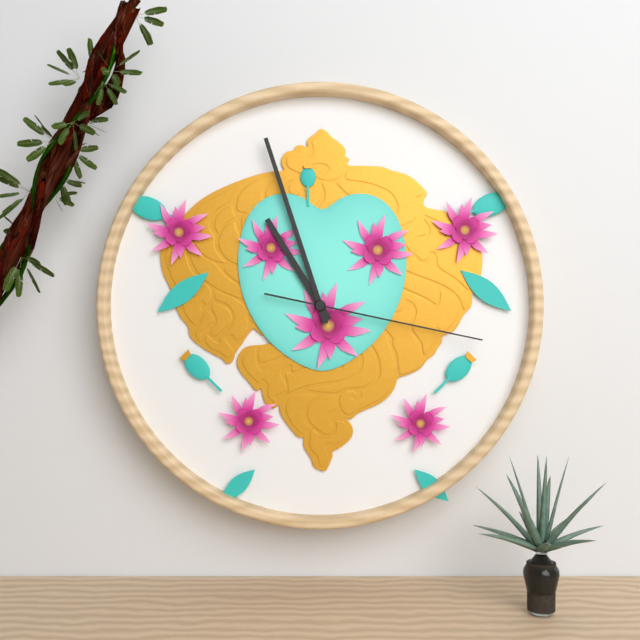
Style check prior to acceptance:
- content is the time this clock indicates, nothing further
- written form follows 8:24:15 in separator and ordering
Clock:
10:57:17
